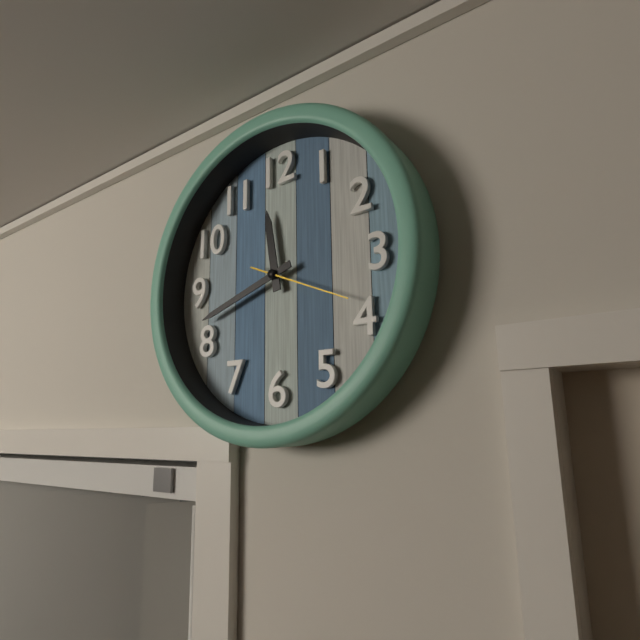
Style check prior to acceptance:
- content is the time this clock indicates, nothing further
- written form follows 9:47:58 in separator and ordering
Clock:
11:42:19
